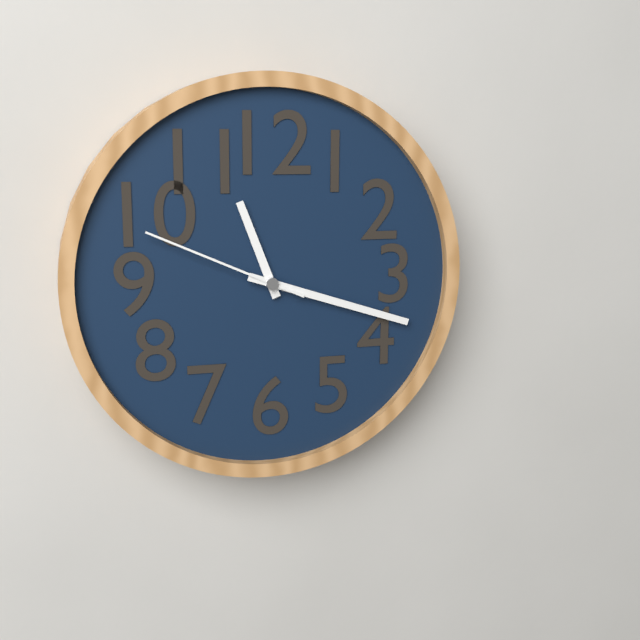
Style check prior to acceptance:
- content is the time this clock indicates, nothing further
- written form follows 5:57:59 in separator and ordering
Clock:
11:18:49
